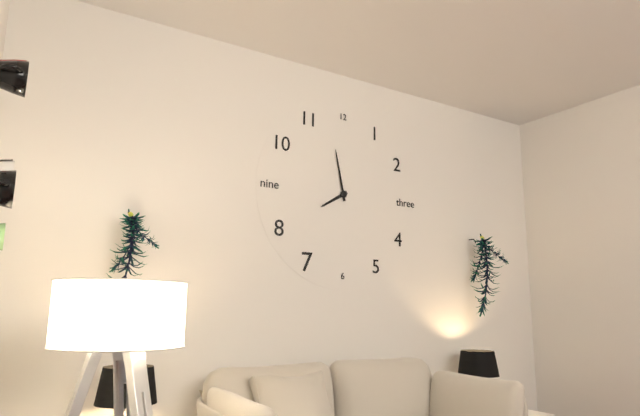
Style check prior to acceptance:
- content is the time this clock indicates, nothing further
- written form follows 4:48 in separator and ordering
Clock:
7:58
